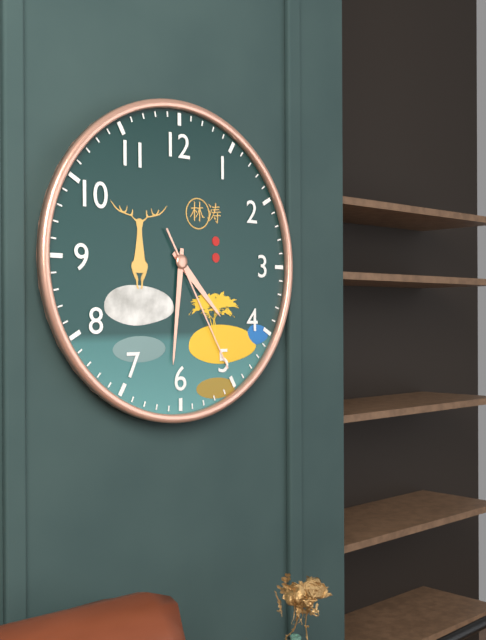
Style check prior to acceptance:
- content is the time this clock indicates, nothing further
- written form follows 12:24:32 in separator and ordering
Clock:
4:31:25
